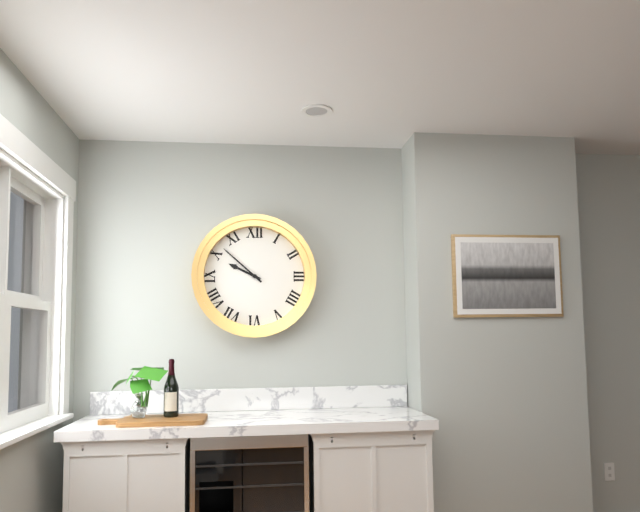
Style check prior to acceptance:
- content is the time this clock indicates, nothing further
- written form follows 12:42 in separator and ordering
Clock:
9:52
